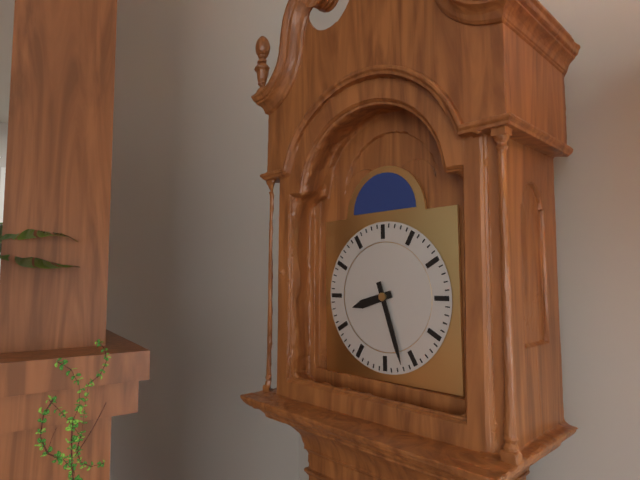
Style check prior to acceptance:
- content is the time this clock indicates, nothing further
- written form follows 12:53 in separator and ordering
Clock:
8:27
